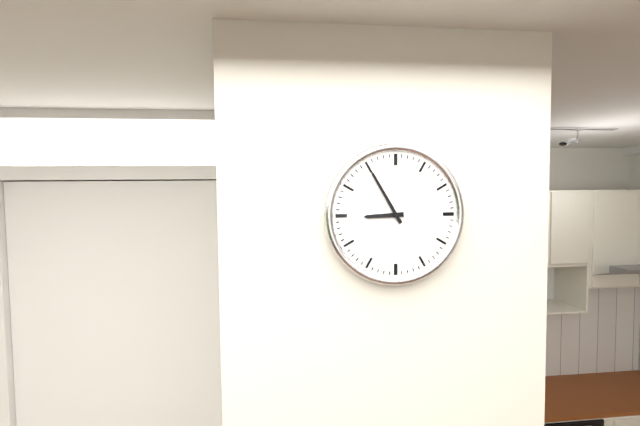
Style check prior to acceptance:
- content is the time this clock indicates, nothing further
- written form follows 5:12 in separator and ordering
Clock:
8:55
